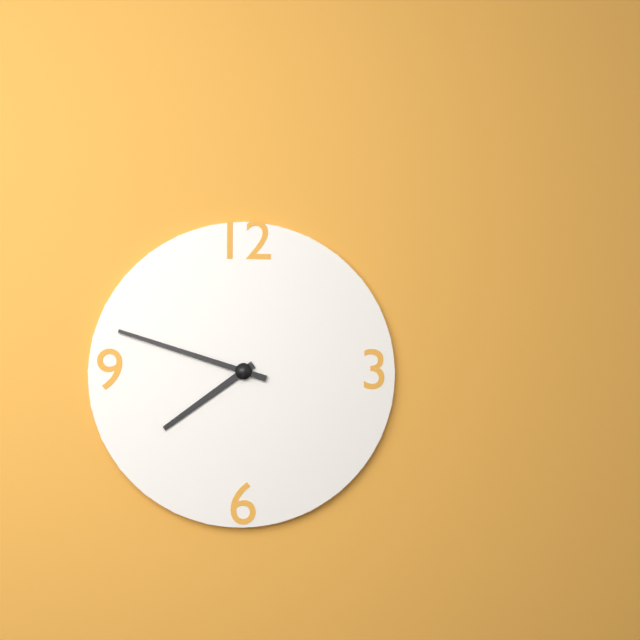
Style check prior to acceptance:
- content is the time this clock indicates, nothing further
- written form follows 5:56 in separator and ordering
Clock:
7:48
